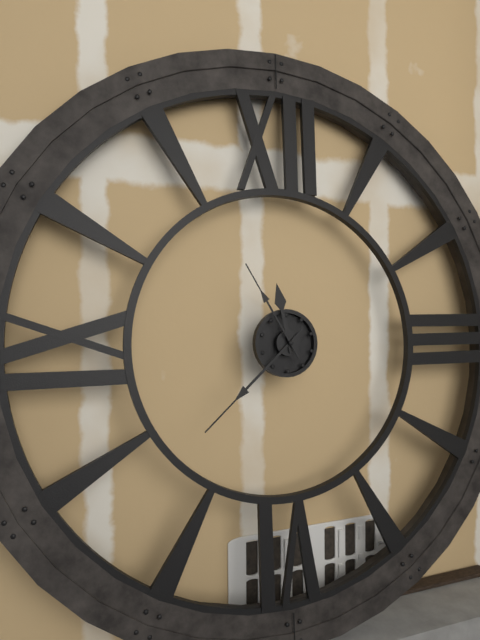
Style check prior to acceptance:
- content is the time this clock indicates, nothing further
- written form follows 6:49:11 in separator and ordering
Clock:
11:38:55
